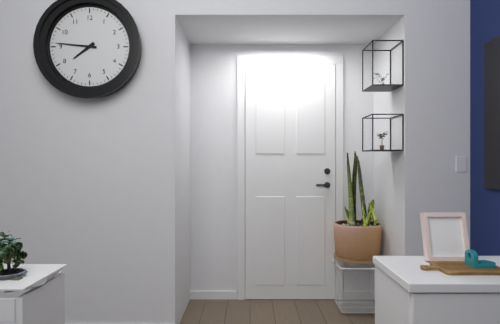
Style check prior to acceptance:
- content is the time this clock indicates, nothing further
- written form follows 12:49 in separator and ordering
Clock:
7:46
